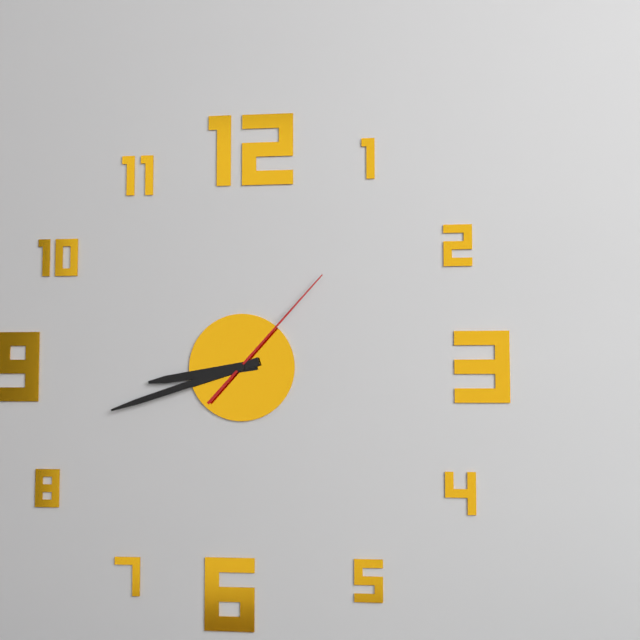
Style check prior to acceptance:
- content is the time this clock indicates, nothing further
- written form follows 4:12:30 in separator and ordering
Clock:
8:42:07
